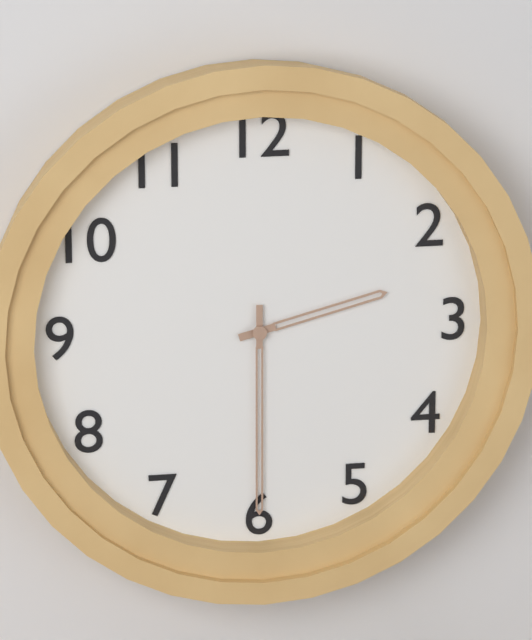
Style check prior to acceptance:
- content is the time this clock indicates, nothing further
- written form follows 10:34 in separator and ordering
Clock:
2:30
